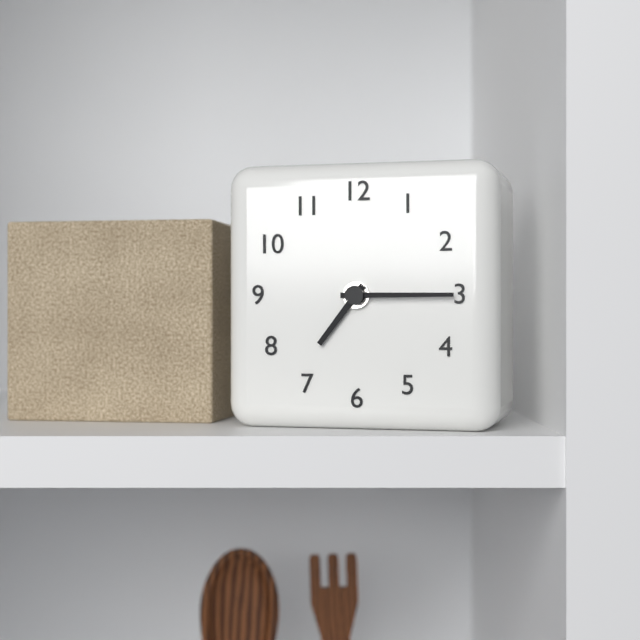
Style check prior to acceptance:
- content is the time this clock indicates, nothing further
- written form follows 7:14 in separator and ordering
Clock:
7:15
